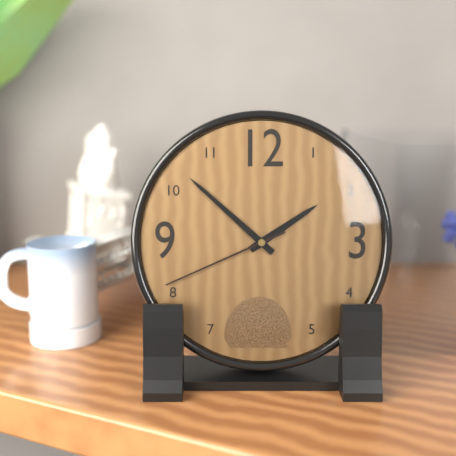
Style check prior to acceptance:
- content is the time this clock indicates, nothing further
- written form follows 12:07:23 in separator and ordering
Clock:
1:52:41
